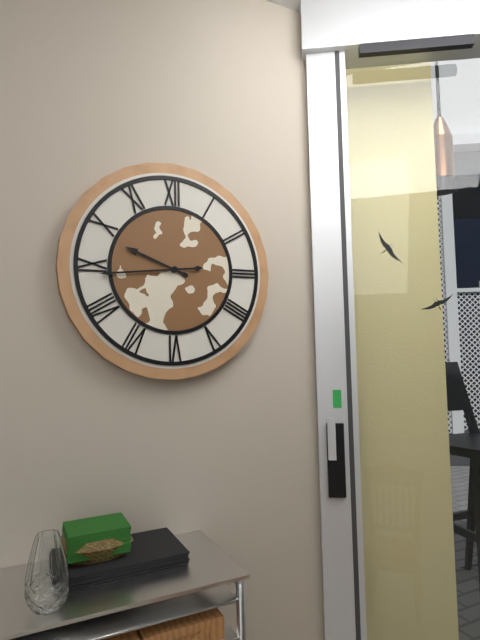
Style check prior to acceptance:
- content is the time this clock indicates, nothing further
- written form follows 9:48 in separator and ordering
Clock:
9:44
